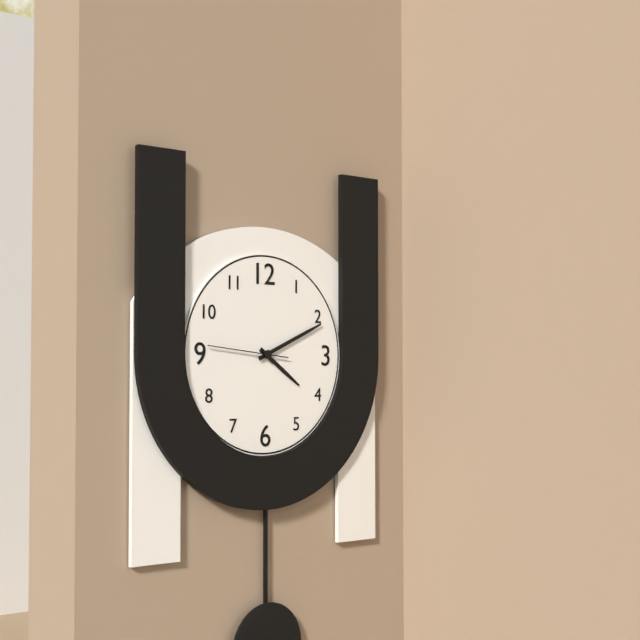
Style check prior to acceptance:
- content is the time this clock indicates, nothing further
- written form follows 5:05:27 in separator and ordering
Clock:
4:11:46
